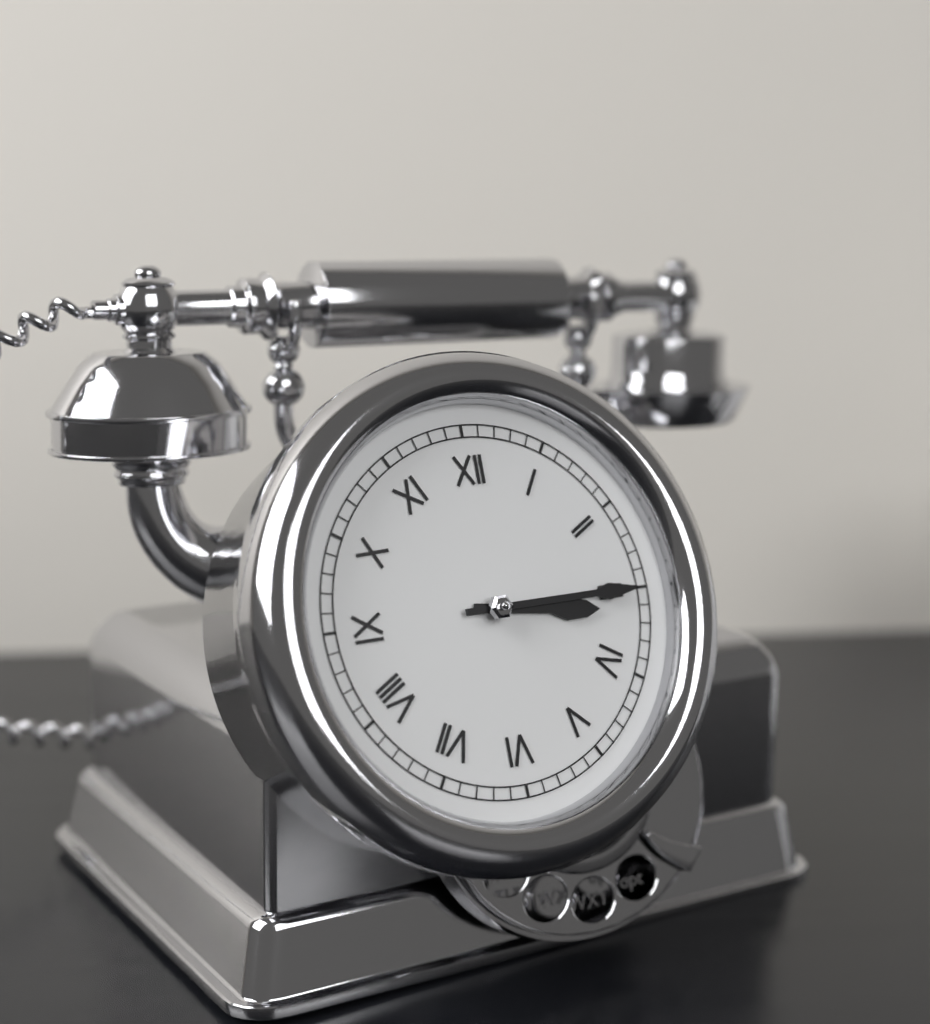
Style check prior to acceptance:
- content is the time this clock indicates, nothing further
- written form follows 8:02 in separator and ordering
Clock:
3:15
